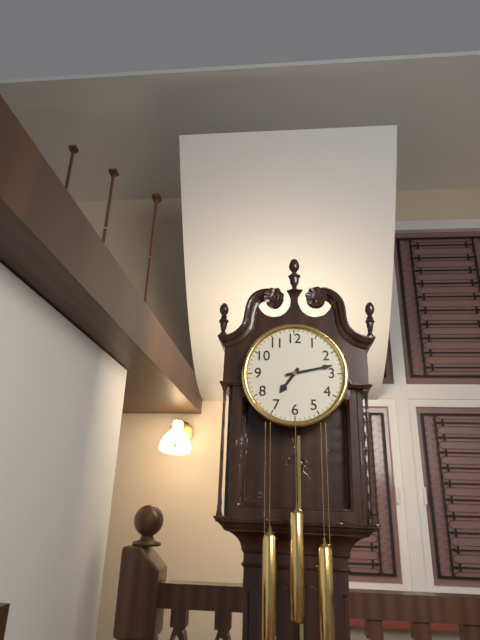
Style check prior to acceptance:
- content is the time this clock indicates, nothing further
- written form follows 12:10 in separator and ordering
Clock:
7:13
